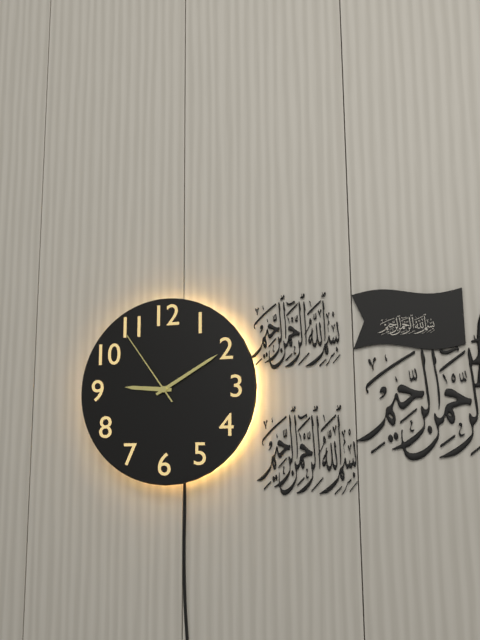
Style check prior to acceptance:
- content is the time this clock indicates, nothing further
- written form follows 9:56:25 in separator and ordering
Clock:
9:10:54
